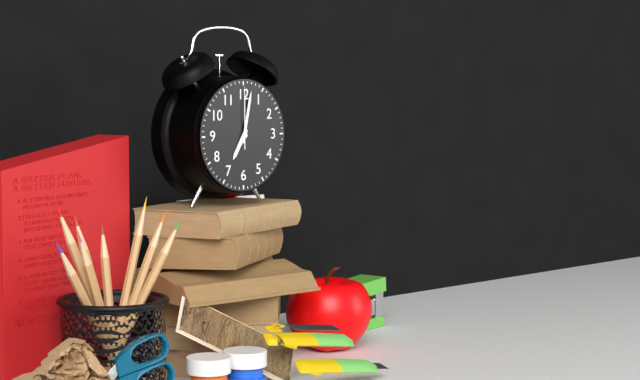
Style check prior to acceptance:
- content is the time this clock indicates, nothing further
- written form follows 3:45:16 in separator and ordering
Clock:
7:02:00
